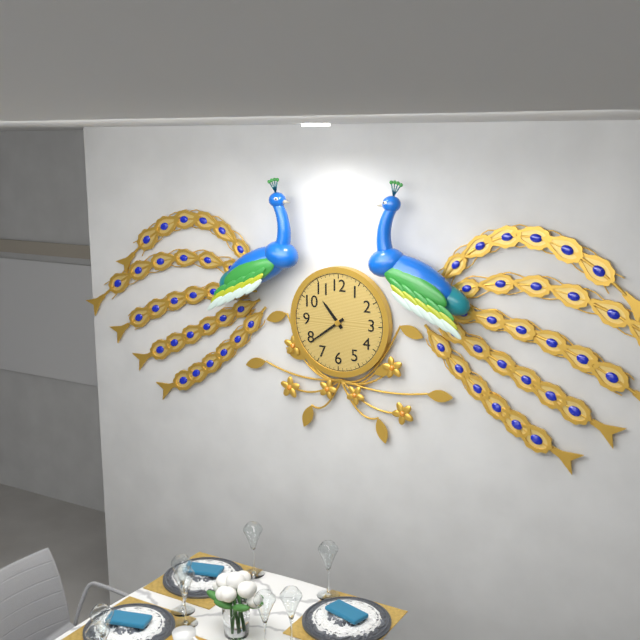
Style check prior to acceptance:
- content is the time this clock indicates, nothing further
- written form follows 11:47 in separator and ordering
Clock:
10:39
